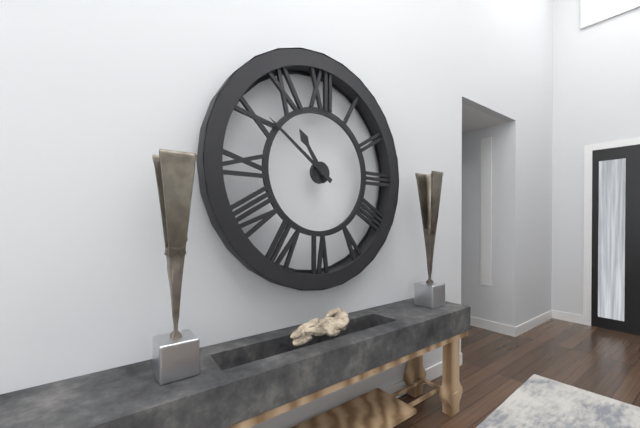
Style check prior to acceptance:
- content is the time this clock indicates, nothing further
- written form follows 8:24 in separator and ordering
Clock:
10:51
